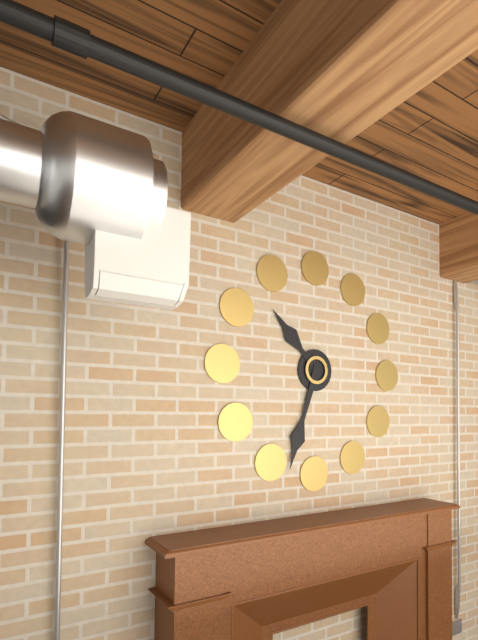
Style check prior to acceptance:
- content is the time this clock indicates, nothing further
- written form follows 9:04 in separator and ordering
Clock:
10:33
